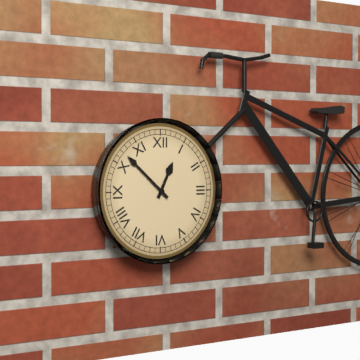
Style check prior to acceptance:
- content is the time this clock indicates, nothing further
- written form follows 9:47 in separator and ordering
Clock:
12:52
